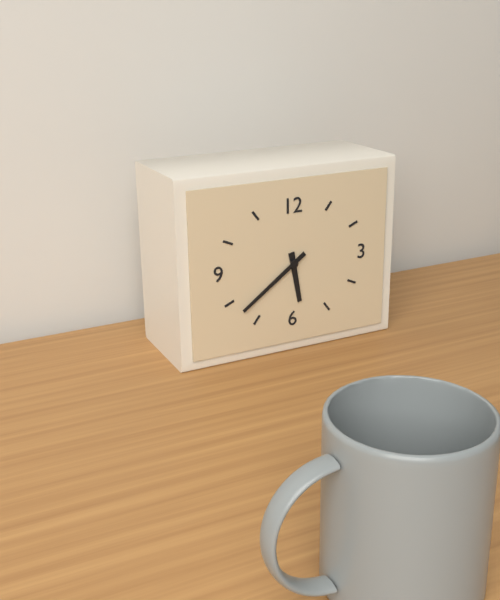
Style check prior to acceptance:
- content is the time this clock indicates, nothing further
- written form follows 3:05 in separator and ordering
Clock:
5:39
